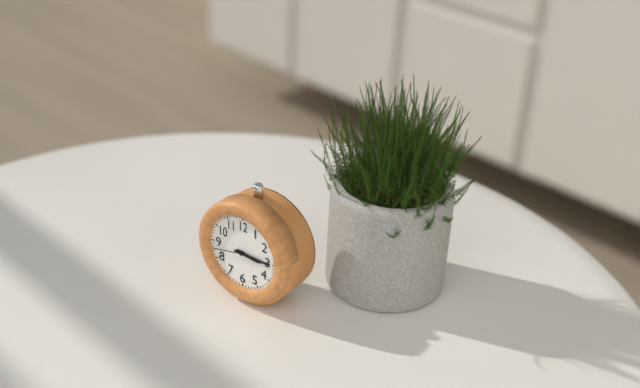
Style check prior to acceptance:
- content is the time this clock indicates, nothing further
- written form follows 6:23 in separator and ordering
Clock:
3:15
